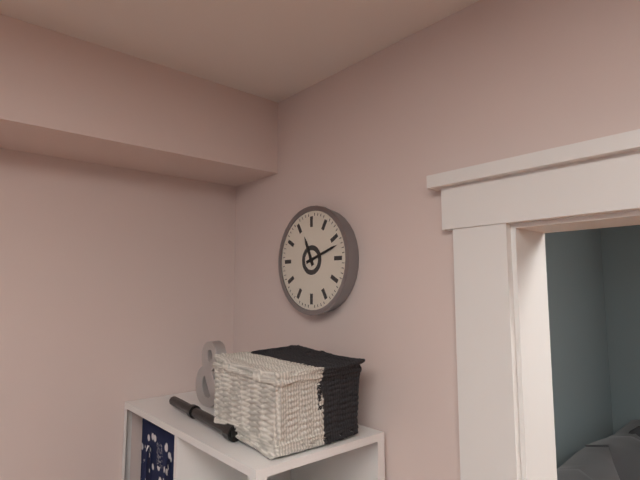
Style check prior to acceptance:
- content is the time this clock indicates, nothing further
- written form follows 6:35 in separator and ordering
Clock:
11:12
